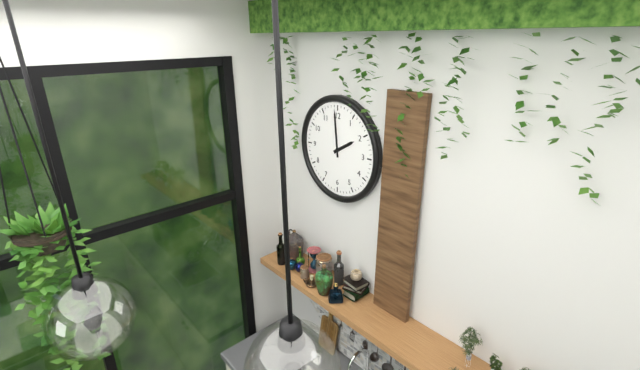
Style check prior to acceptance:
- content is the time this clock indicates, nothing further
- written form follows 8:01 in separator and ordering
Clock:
1:59
